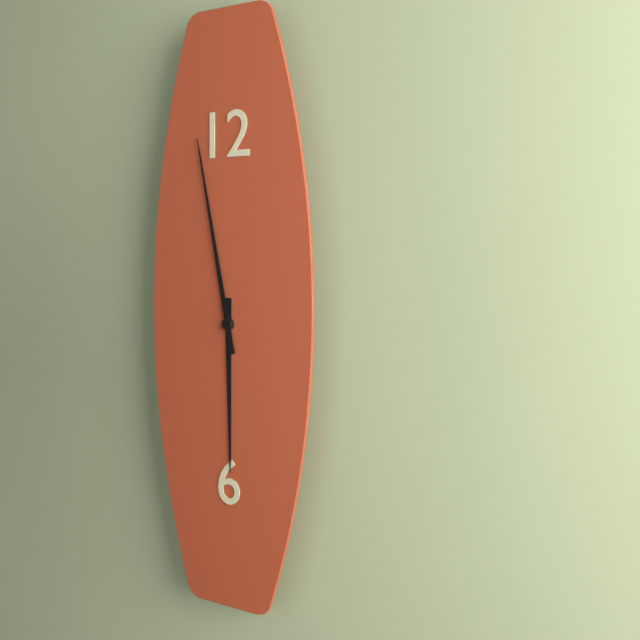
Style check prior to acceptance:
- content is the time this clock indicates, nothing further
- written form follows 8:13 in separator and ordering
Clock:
5:58
